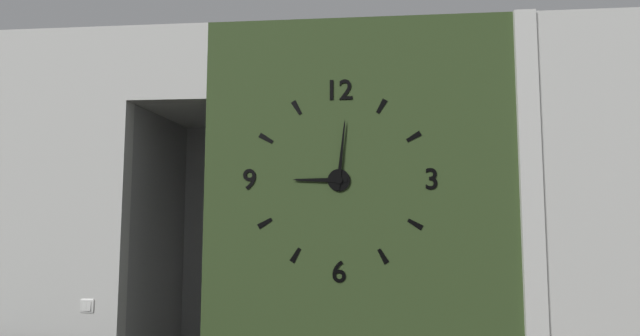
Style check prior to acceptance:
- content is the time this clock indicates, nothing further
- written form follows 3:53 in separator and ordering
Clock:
9:01
